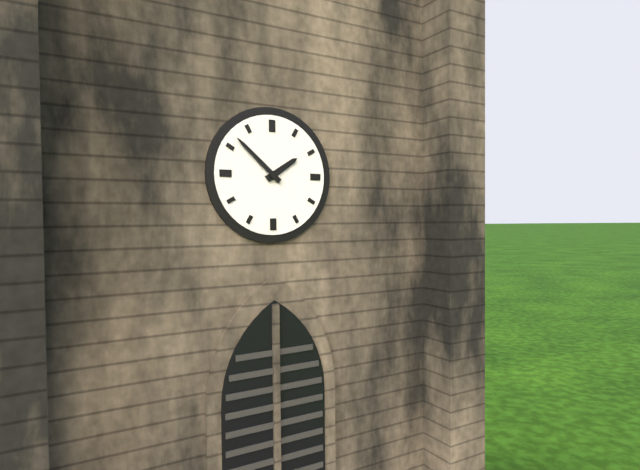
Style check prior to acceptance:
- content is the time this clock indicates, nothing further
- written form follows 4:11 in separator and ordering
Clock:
1:52
